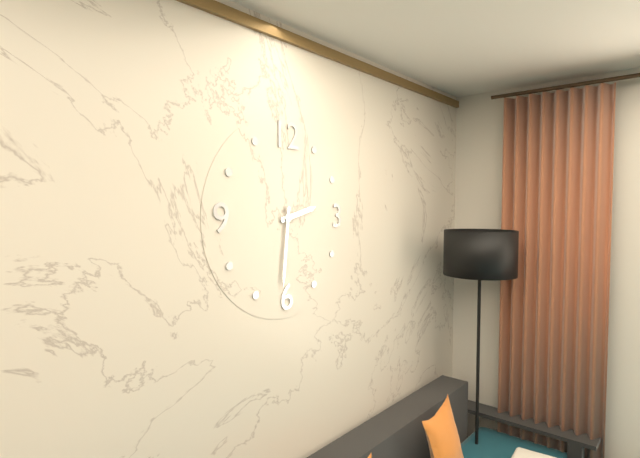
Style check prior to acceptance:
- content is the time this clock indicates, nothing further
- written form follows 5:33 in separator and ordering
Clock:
2:31
